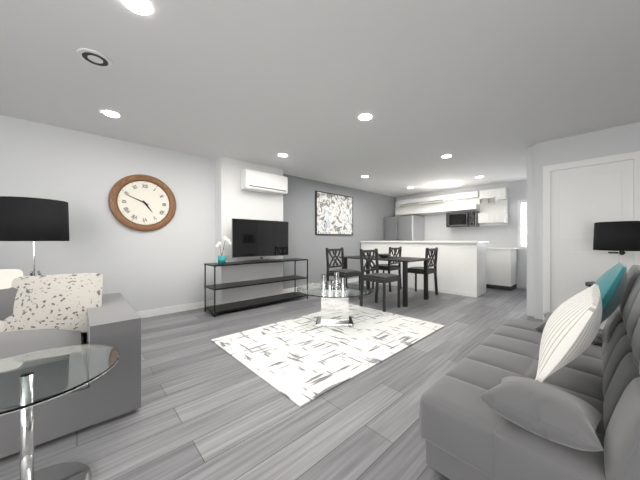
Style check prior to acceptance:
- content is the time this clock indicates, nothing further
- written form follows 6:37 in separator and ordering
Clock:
4:49
